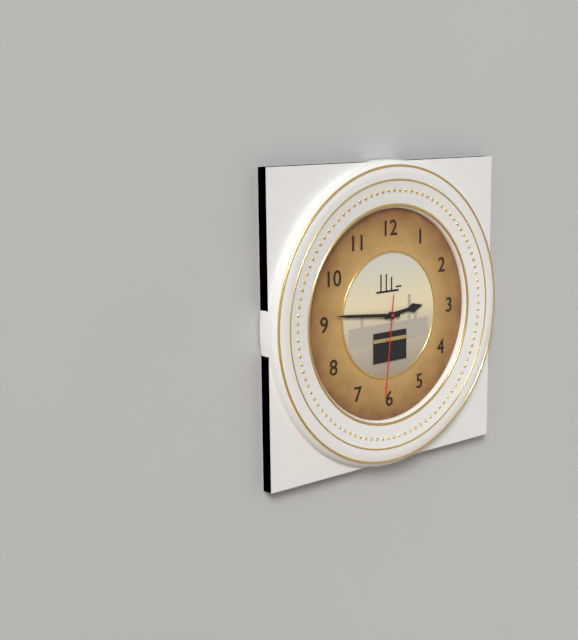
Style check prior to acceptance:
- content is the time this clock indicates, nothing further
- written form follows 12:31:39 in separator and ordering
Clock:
2:46:31
